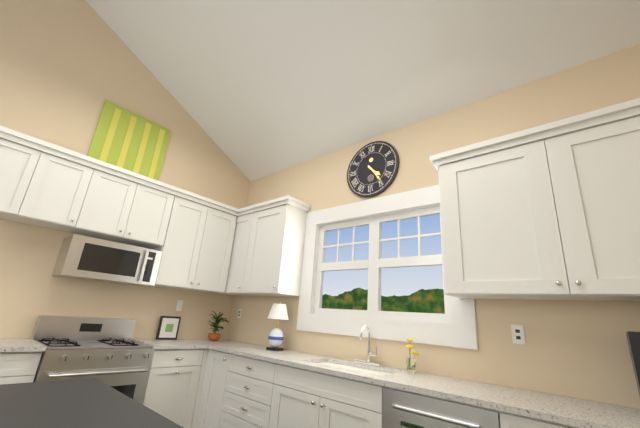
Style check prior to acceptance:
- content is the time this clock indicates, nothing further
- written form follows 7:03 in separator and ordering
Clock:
4:24
